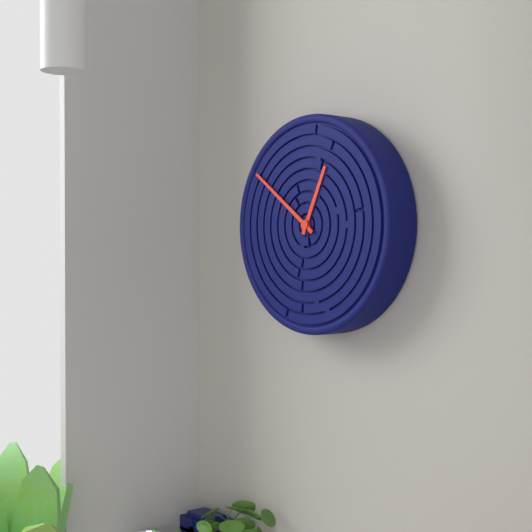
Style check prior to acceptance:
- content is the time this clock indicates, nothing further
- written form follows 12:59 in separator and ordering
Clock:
12:51
